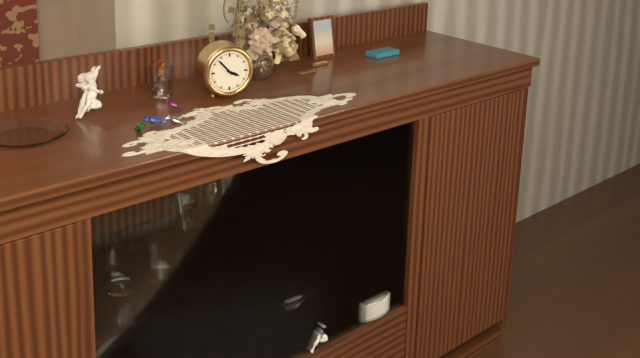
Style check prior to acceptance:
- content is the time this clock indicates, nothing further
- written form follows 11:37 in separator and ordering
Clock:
3:53
